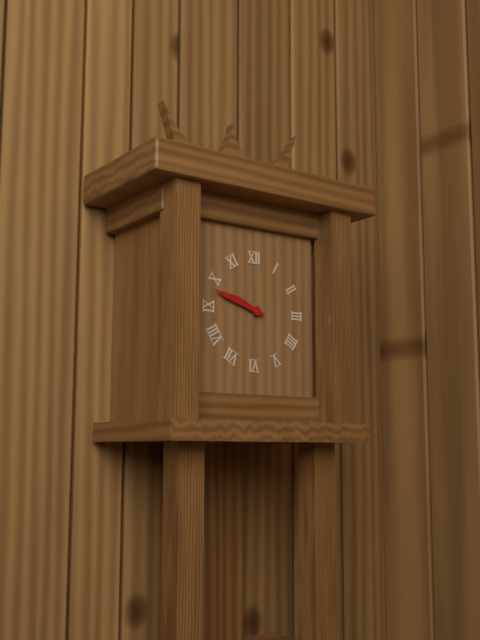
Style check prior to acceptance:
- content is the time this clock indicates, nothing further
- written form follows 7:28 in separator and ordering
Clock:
9:48
